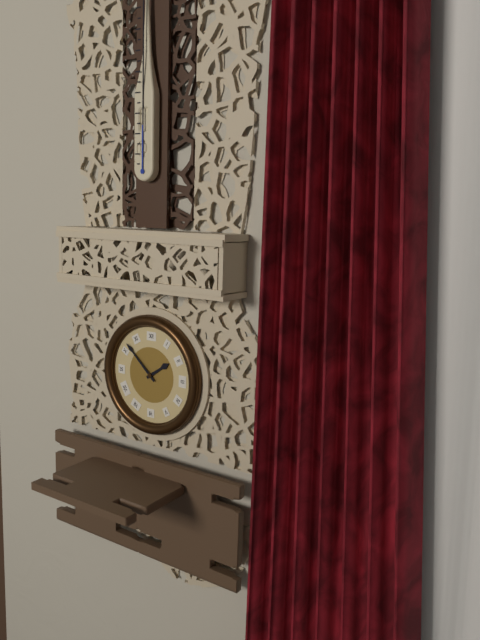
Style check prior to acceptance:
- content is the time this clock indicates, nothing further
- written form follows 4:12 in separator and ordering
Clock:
1:52
